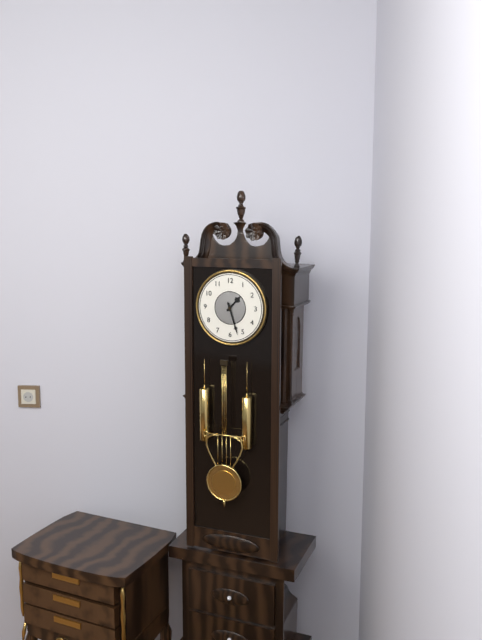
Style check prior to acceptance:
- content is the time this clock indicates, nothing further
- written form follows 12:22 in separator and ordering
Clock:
1:27
